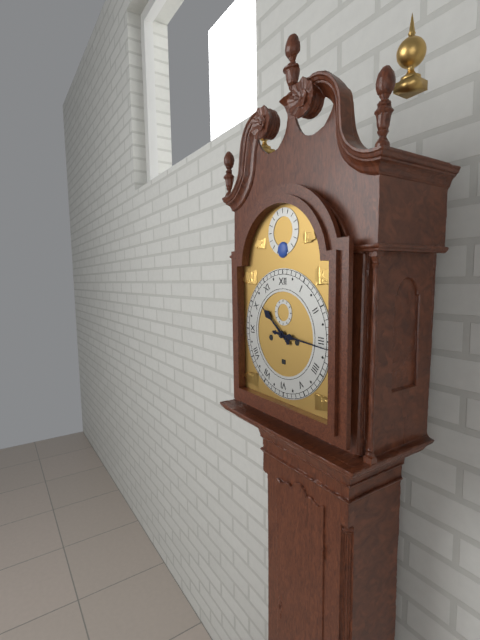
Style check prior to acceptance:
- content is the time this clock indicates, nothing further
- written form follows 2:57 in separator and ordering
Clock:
10:16
